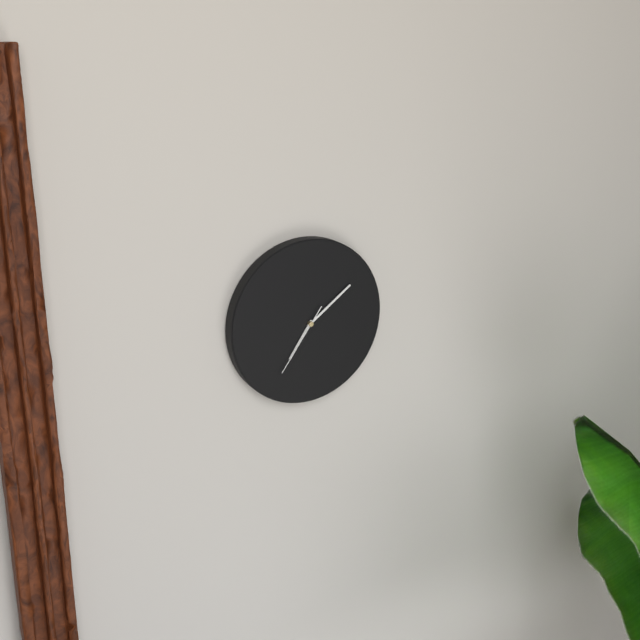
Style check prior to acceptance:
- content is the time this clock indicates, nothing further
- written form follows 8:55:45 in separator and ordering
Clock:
7:09:36
